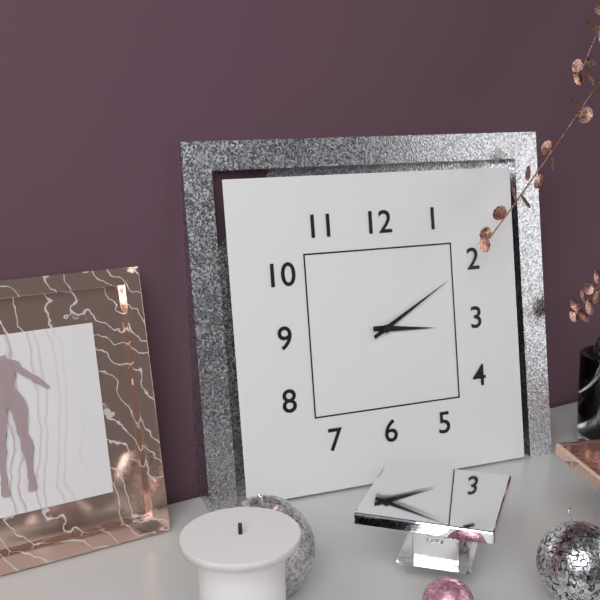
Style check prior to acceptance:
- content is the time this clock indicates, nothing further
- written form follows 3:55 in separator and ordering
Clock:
3:10
